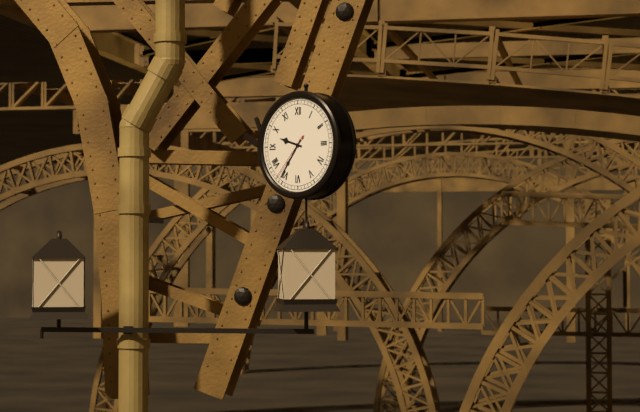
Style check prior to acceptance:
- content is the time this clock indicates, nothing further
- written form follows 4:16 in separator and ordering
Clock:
9:36
